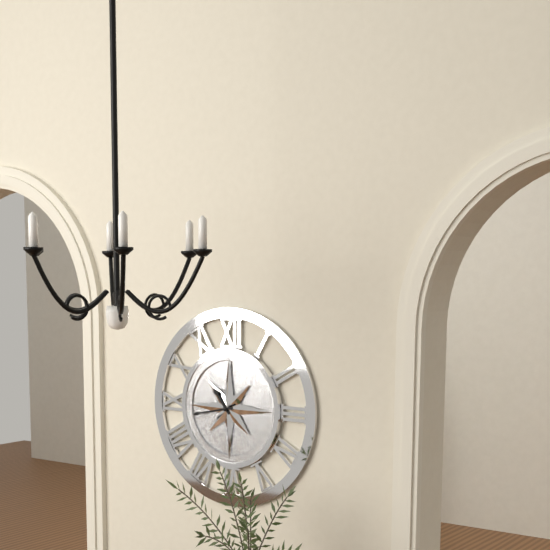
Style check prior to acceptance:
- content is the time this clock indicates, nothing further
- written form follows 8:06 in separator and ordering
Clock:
10:43
